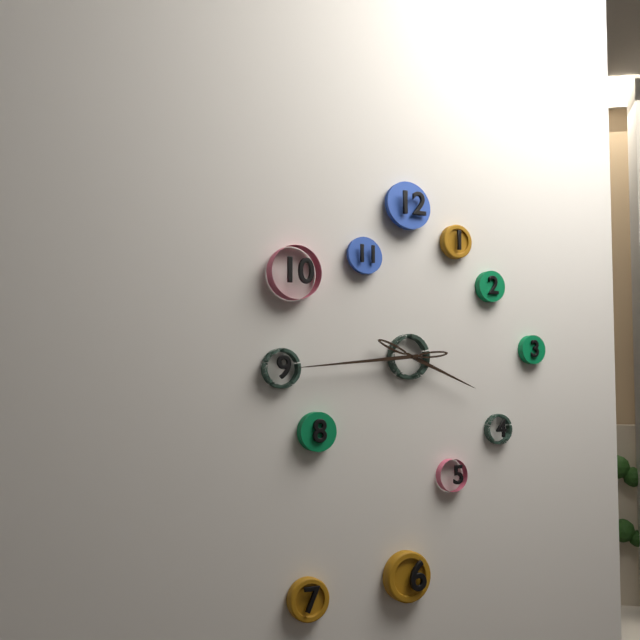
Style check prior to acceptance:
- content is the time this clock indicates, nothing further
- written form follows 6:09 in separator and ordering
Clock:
3:44
